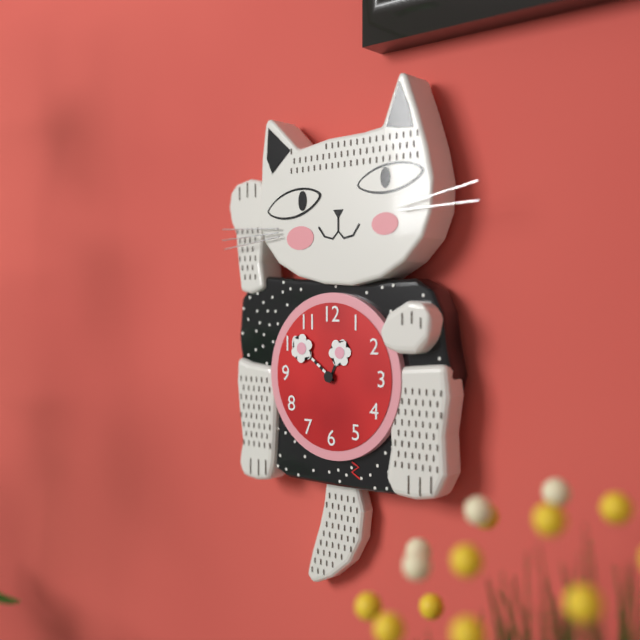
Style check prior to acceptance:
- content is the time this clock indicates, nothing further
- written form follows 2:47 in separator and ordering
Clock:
12:51
